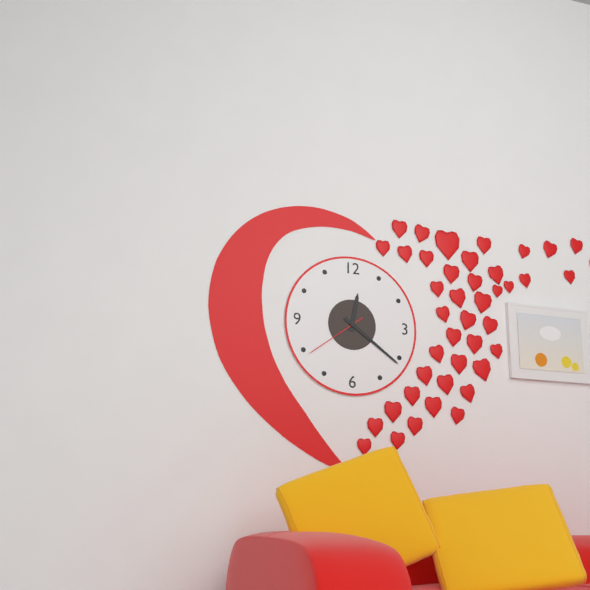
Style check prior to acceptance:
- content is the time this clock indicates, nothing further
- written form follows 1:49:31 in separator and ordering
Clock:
12:21:39
